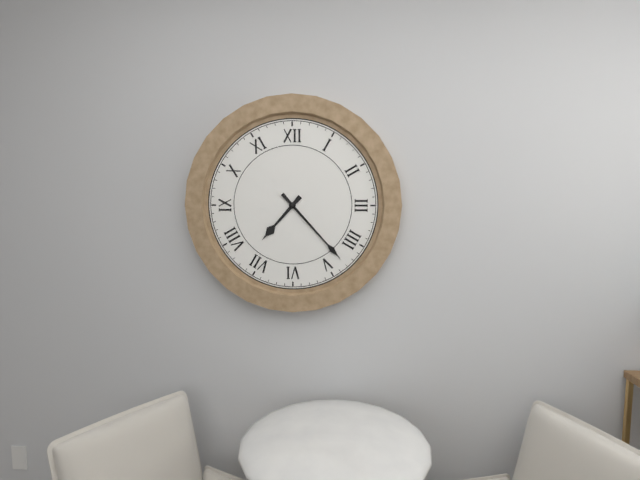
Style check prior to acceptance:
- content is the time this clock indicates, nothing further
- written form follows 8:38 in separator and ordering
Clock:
7:23
